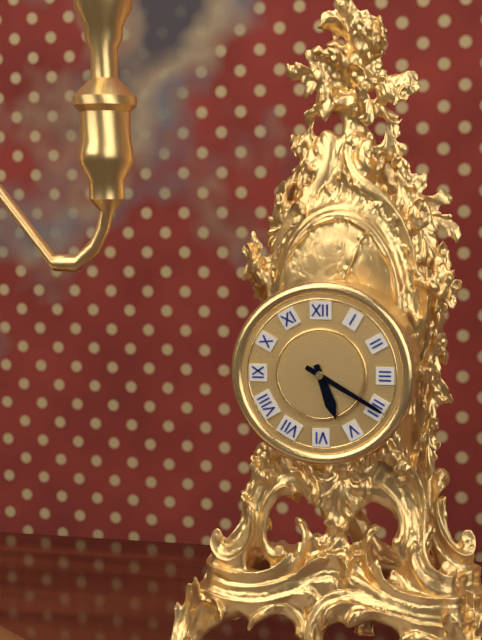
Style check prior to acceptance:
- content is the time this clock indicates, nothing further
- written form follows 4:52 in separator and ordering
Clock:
5:20
